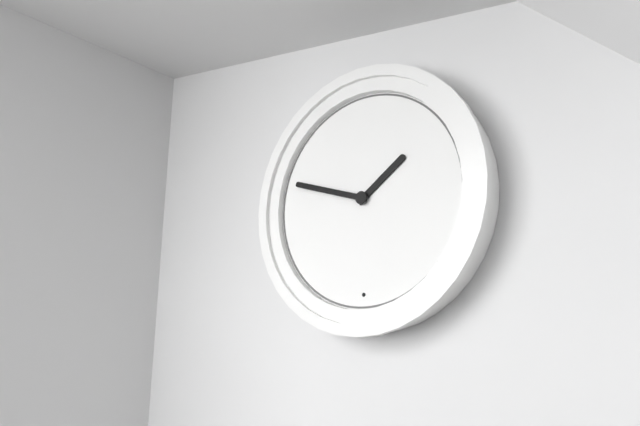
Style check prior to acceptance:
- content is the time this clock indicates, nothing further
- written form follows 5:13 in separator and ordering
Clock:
1:48
